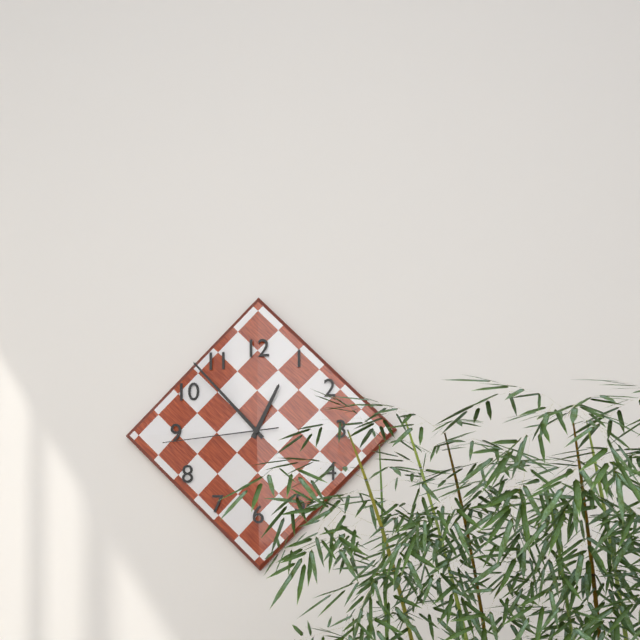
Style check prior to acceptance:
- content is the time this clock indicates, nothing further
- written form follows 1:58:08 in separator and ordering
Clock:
12:53:44
